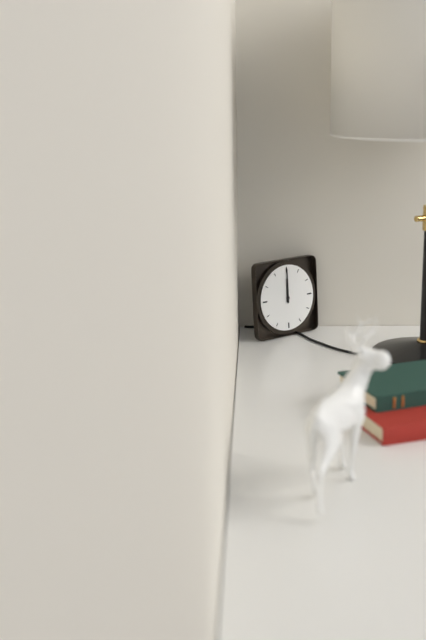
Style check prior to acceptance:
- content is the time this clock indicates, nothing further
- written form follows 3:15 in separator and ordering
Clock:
12:00
